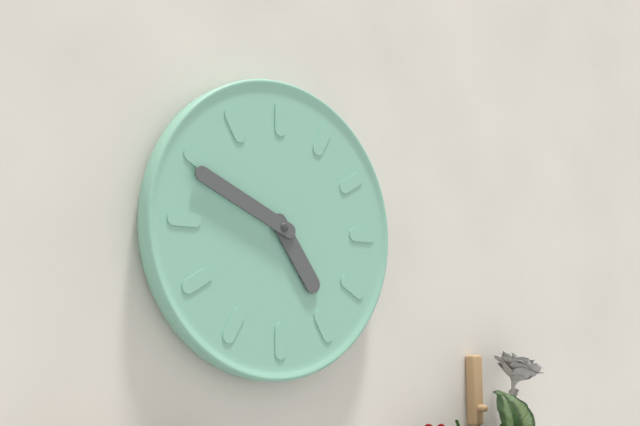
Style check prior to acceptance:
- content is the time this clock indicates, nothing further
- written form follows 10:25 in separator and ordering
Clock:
4:49
